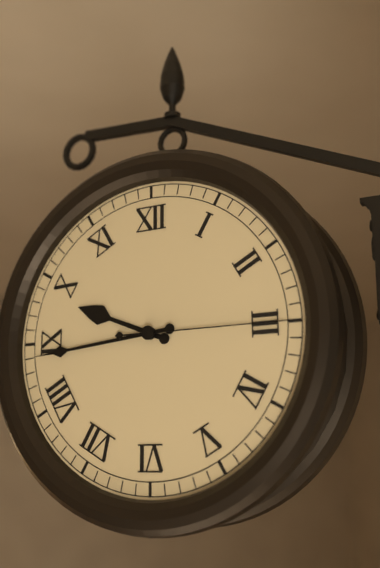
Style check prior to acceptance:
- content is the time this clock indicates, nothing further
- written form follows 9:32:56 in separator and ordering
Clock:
9:44:15
